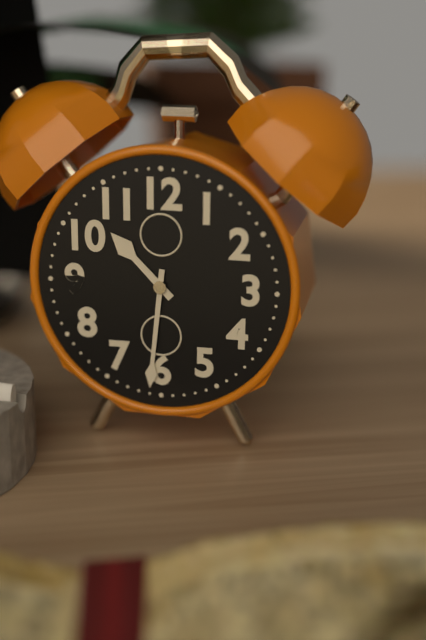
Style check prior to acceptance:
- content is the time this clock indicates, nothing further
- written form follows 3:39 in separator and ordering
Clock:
10:31
